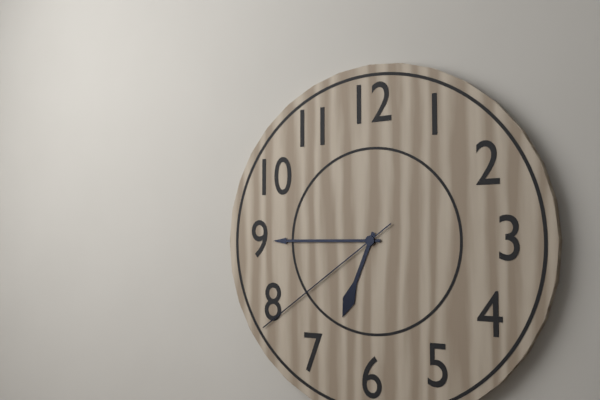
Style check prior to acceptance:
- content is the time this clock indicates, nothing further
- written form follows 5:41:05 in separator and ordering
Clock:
6:45:39
